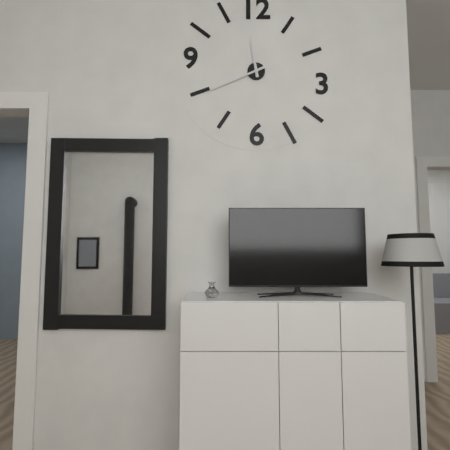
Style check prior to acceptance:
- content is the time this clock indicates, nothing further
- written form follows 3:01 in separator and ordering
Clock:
11:41
